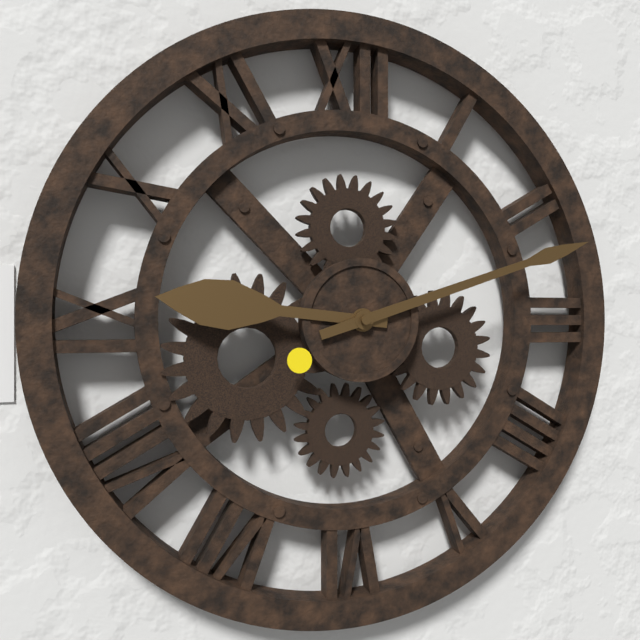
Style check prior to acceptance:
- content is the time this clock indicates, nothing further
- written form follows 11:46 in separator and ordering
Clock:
9:12
